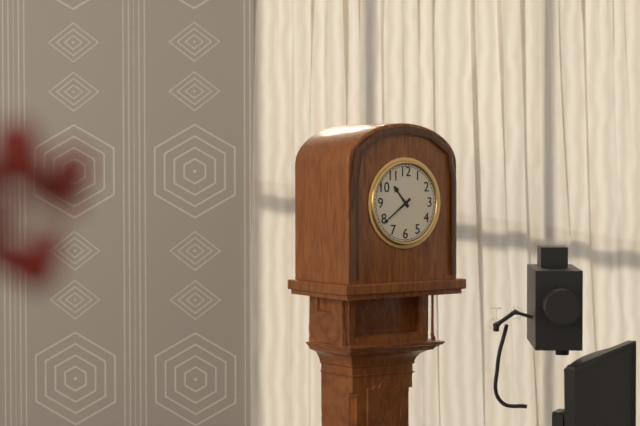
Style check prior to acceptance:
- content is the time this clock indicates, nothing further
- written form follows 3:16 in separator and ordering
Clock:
10:39
